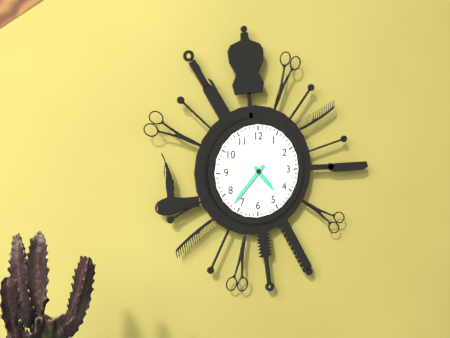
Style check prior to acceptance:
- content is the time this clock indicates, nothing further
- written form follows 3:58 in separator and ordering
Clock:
4:37
